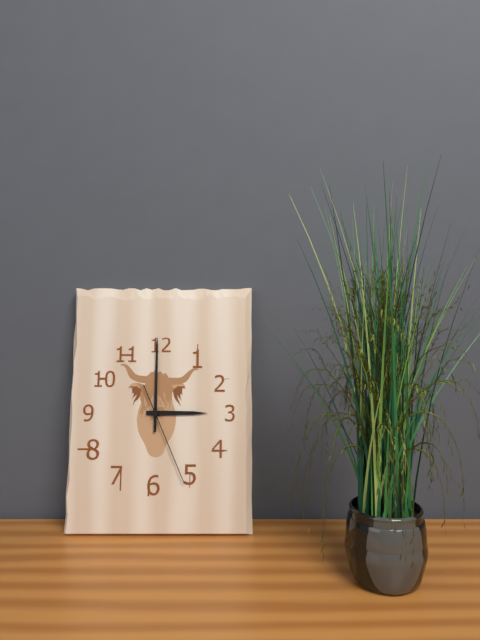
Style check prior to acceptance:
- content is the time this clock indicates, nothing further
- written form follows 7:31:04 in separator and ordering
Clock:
3:00:26
